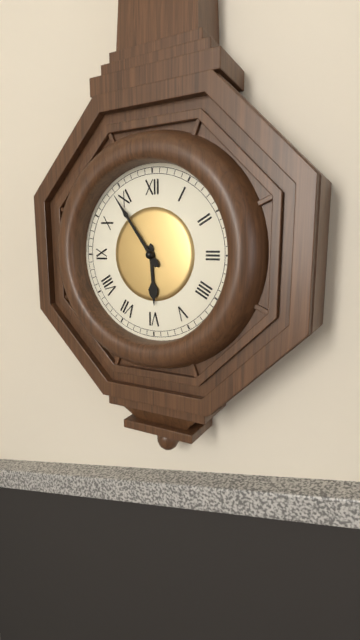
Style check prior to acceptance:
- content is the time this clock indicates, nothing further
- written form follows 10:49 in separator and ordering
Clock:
5:54
